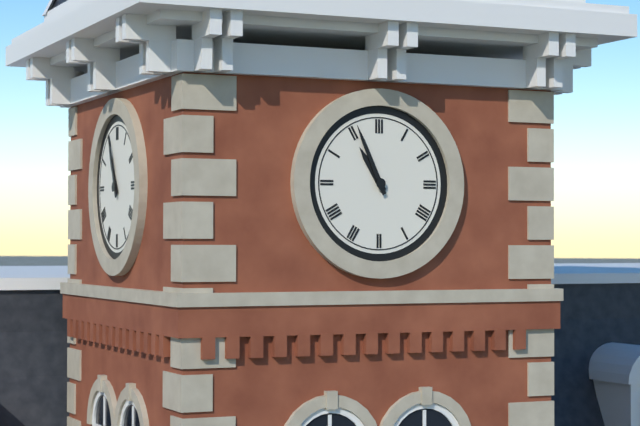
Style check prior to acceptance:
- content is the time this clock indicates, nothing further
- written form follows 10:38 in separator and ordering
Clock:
10:56
